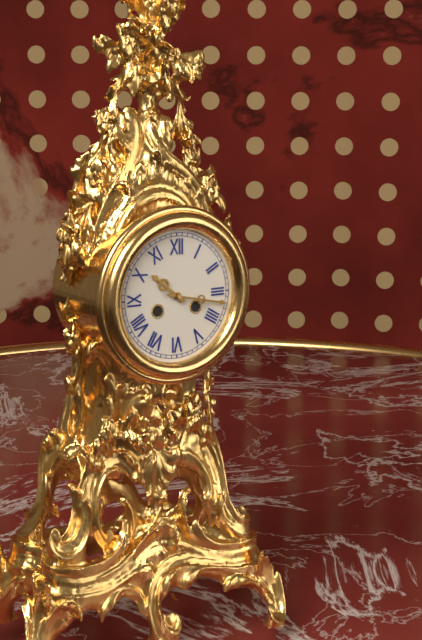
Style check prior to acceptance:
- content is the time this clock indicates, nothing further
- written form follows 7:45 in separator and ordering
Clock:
10:17
